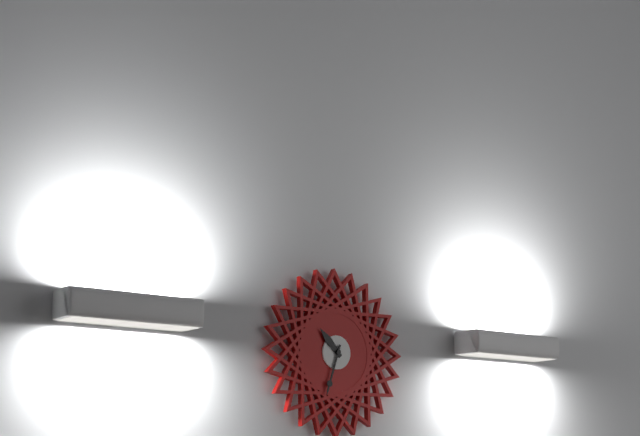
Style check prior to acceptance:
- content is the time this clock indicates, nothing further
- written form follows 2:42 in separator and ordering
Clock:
10:33
